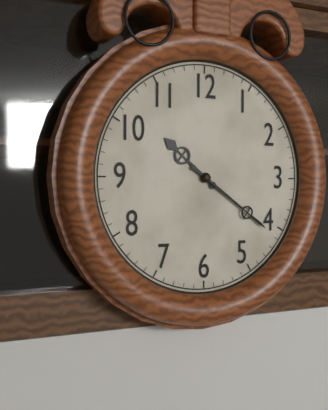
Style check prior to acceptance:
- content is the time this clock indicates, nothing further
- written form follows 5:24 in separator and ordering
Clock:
10:21
